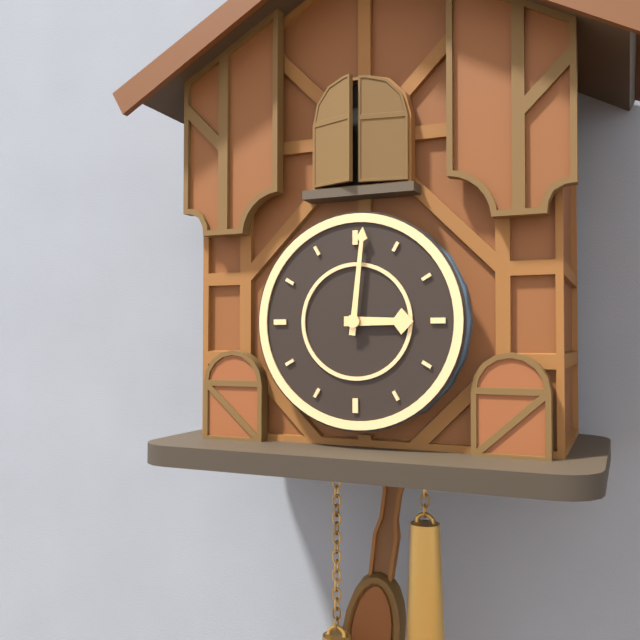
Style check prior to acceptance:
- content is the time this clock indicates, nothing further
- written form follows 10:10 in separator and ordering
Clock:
3:01
